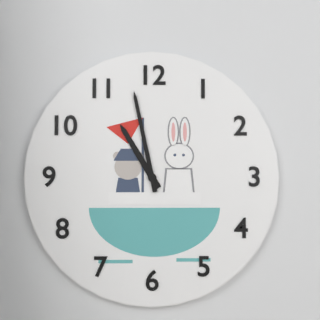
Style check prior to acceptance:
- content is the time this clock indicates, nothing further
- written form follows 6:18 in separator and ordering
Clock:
10:58
